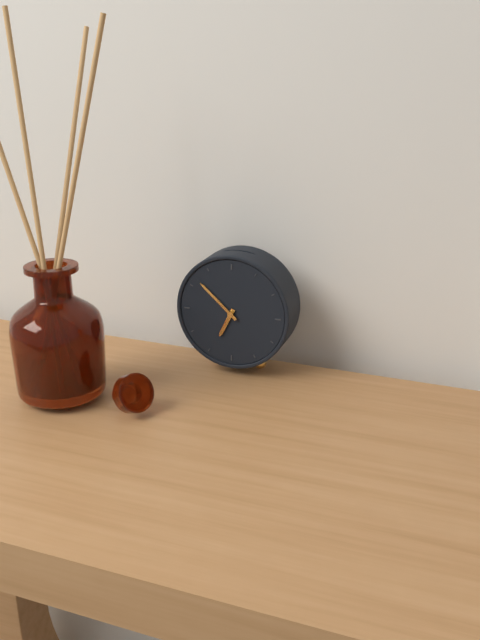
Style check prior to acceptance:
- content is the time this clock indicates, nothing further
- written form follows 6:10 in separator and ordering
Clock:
6:52
